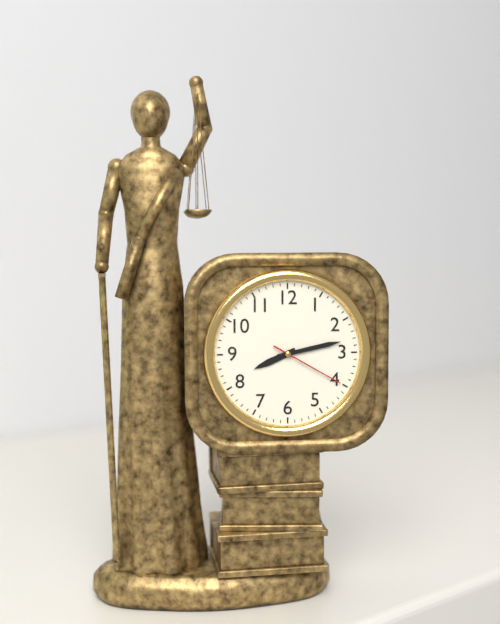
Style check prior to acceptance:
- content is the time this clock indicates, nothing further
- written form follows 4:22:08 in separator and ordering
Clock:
8:13:20
